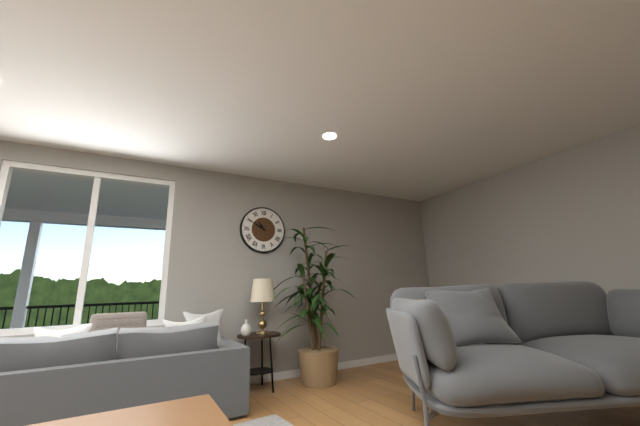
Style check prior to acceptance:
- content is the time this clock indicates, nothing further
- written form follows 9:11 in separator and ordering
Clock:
10:50
